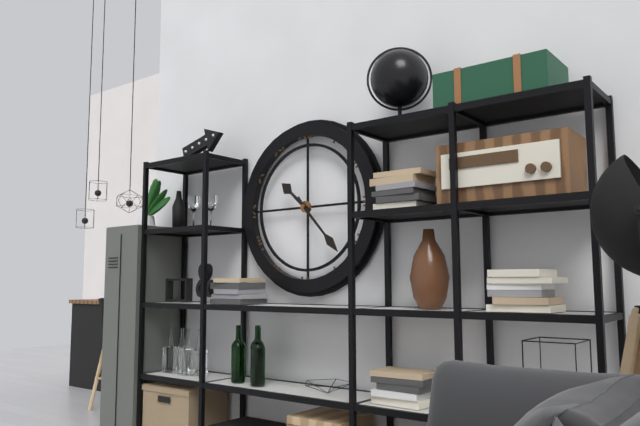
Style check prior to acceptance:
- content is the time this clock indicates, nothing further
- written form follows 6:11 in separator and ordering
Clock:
10:23
